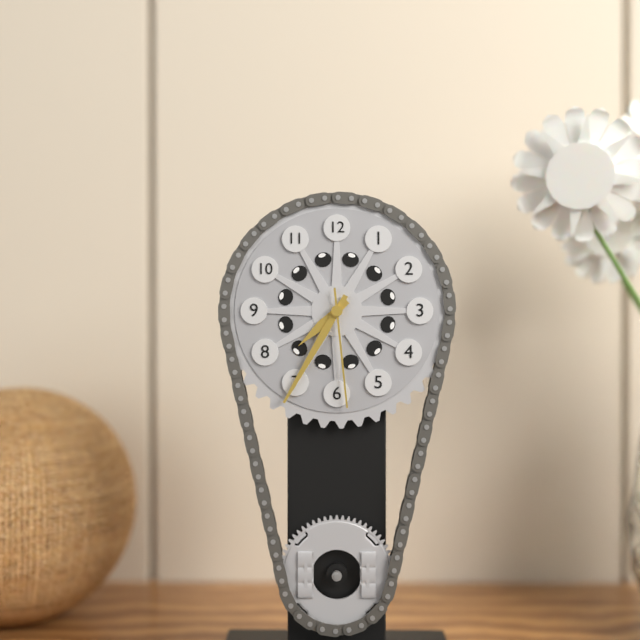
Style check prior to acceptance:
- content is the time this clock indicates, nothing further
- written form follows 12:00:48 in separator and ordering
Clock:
7:35:29
